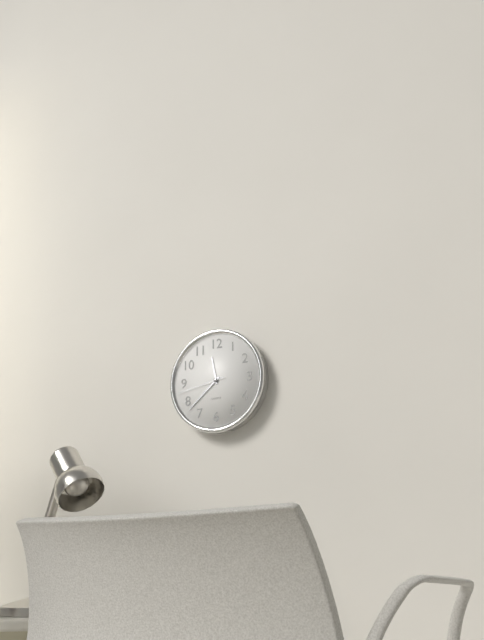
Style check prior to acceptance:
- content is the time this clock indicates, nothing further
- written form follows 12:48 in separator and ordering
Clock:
11:38
